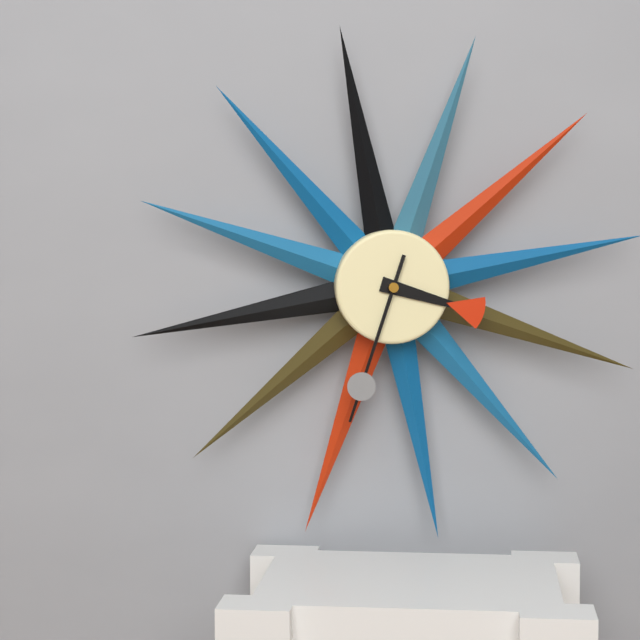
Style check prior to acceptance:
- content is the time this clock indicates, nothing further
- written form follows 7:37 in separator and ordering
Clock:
3:33
